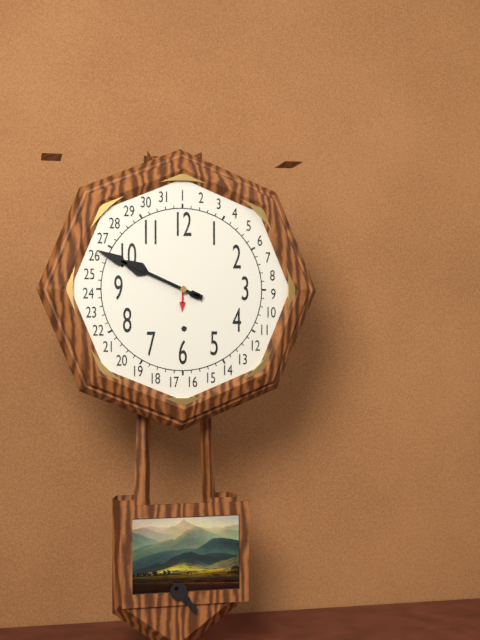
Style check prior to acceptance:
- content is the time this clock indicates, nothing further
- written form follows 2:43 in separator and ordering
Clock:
9:49
